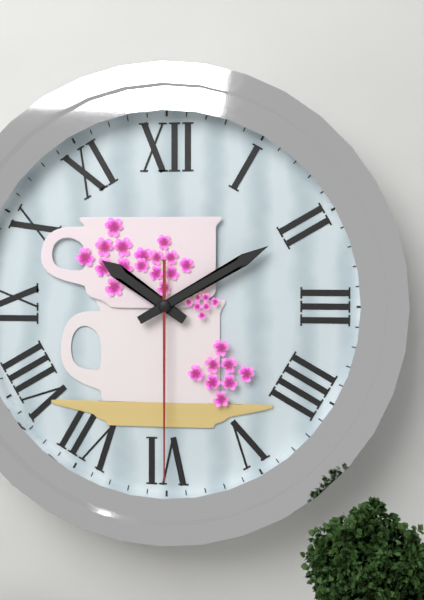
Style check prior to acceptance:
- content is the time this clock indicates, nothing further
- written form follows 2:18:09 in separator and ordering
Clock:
10:10:30
